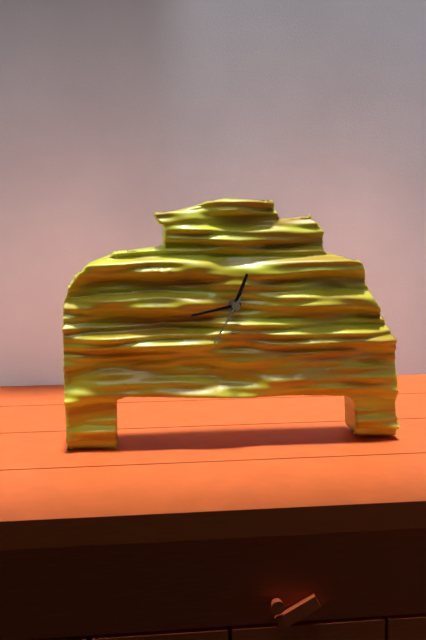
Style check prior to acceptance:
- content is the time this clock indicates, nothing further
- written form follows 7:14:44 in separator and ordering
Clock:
12:43:35
